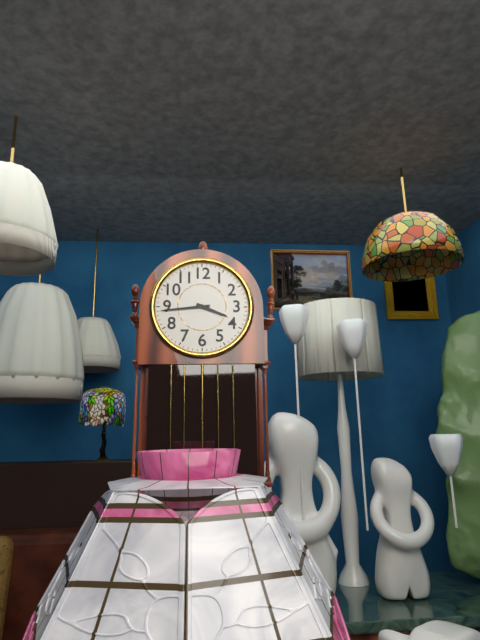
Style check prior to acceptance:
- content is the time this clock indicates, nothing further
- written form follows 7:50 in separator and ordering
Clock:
3:44
